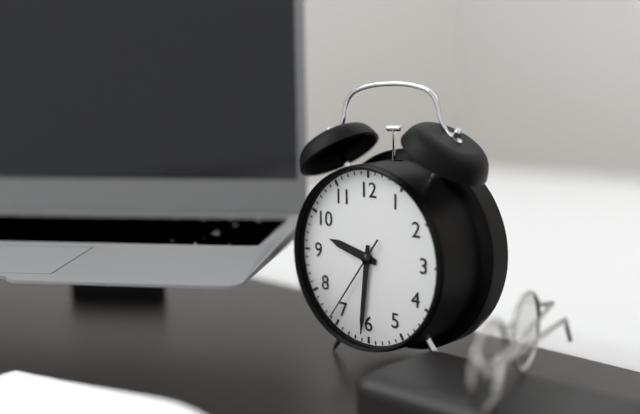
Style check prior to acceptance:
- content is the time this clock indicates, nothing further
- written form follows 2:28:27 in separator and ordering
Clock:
9:31:36
